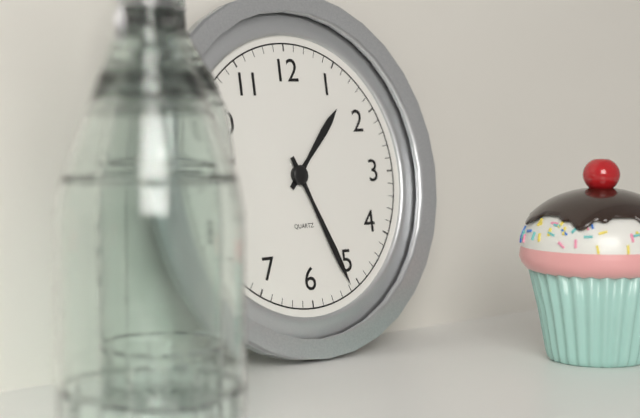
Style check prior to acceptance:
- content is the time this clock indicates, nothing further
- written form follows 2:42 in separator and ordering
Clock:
1:26
